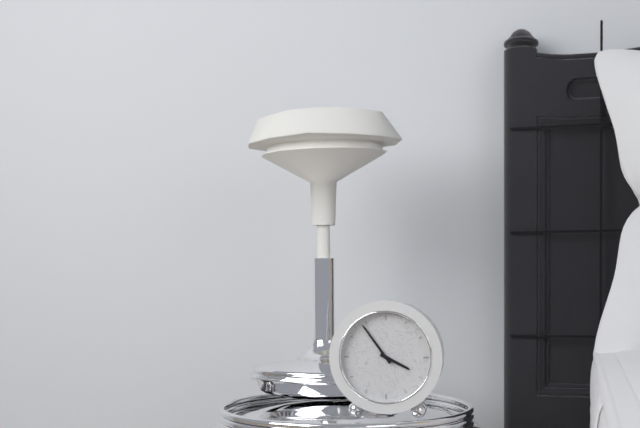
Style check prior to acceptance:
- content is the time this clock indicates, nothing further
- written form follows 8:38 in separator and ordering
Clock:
3:54
